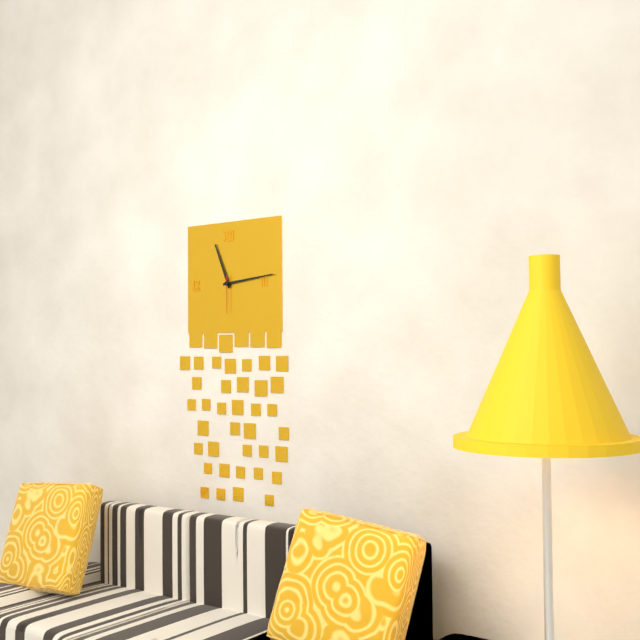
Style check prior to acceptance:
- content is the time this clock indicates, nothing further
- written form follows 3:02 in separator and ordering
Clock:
11:14
